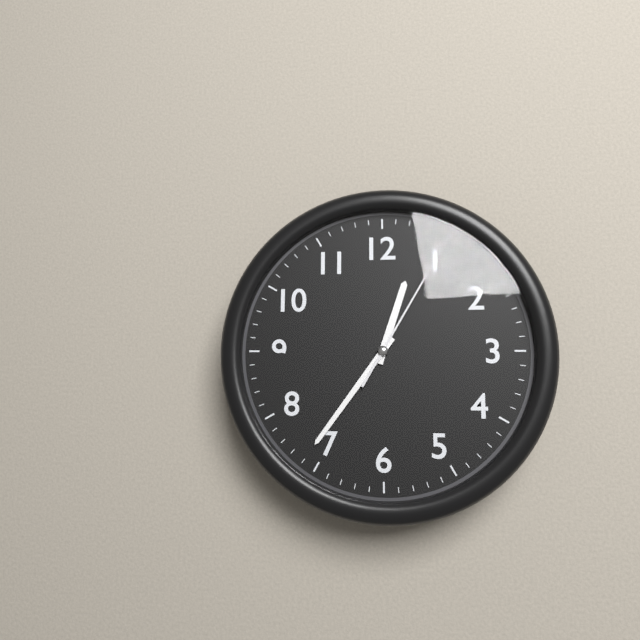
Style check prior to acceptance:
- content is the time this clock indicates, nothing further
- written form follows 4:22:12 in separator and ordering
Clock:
12:36:05
